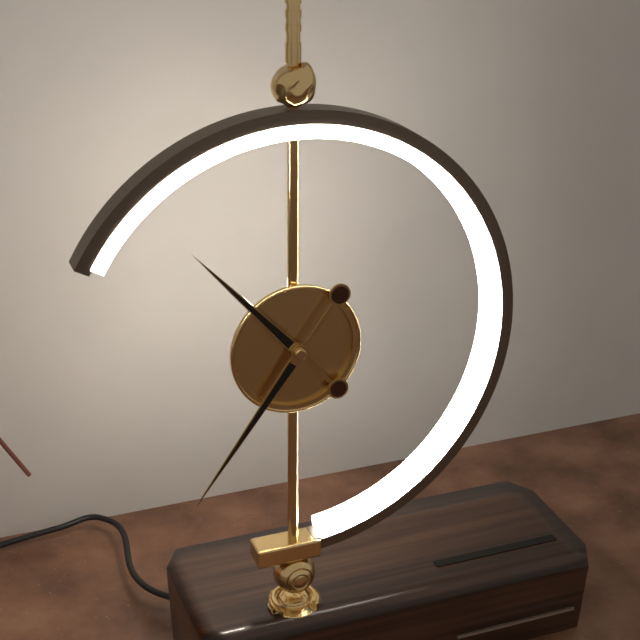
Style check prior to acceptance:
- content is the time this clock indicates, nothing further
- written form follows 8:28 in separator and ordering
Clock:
10:36
